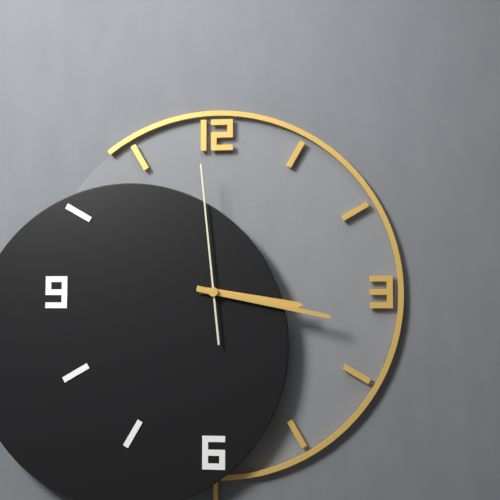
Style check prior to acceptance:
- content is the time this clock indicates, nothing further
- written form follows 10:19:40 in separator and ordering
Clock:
3:17:59
